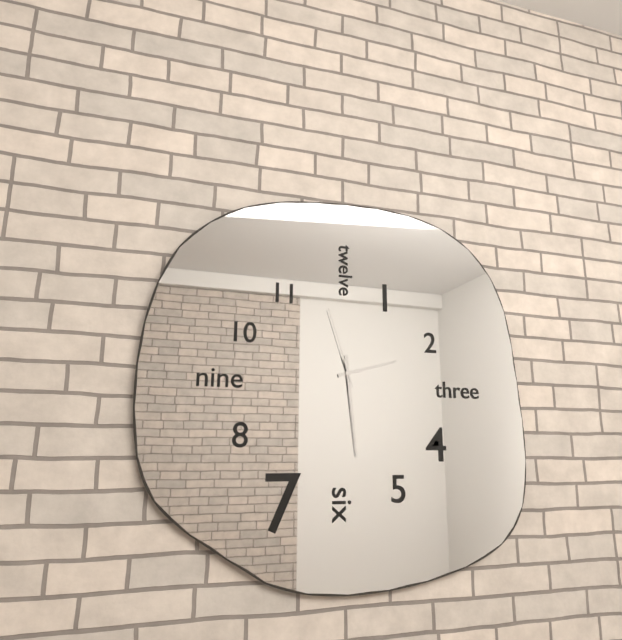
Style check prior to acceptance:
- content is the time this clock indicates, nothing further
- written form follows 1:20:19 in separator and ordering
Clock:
2:29:57
